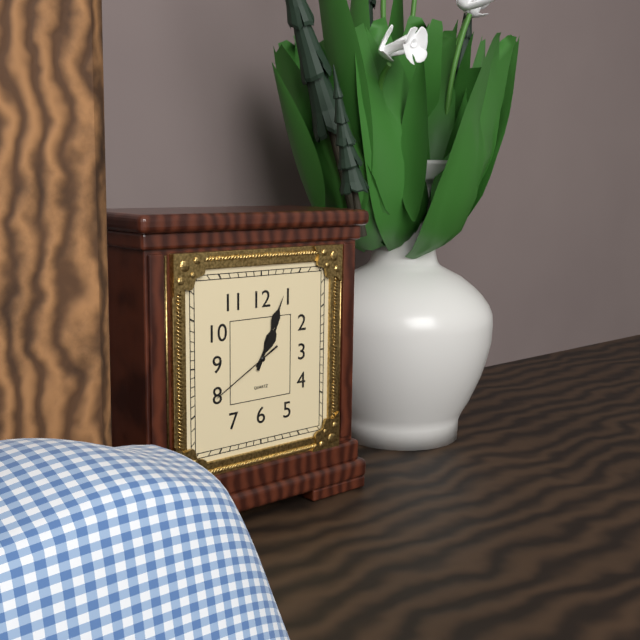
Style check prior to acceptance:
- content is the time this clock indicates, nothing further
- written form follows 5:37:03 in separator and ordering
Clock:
1:04:40
